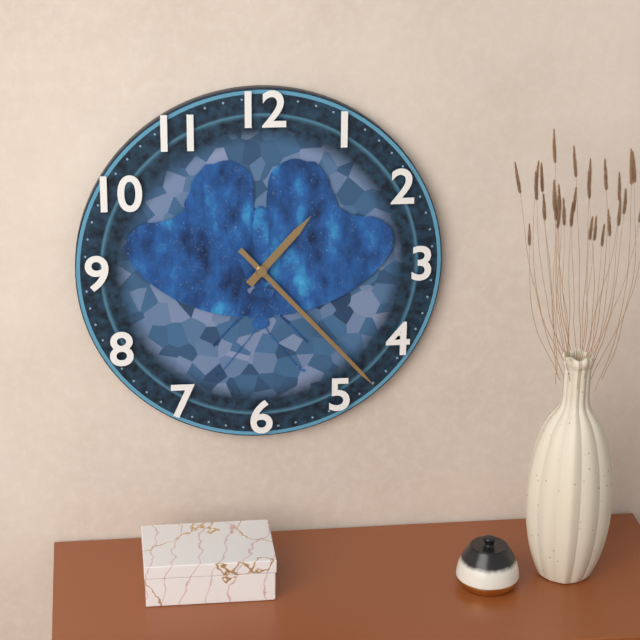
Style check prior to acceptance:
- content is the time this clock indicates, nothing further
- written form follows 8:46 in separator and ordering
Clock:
1:23
